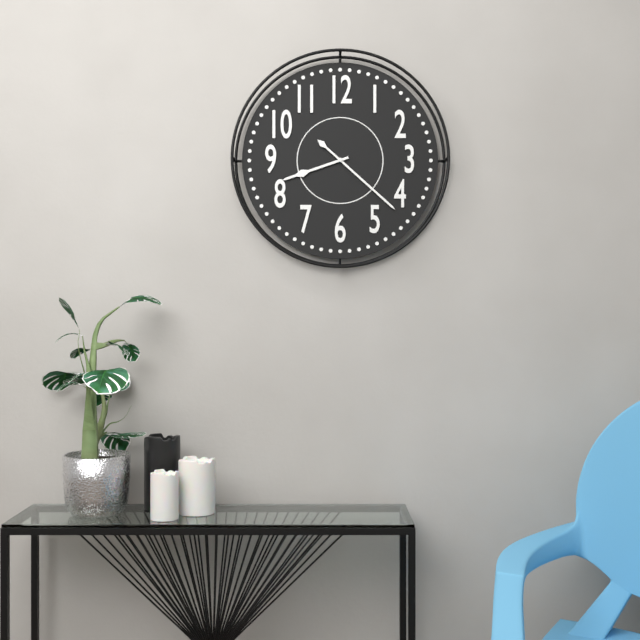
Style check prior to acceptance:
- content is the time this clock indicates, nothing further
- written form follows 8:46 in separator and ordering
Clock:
8:22
